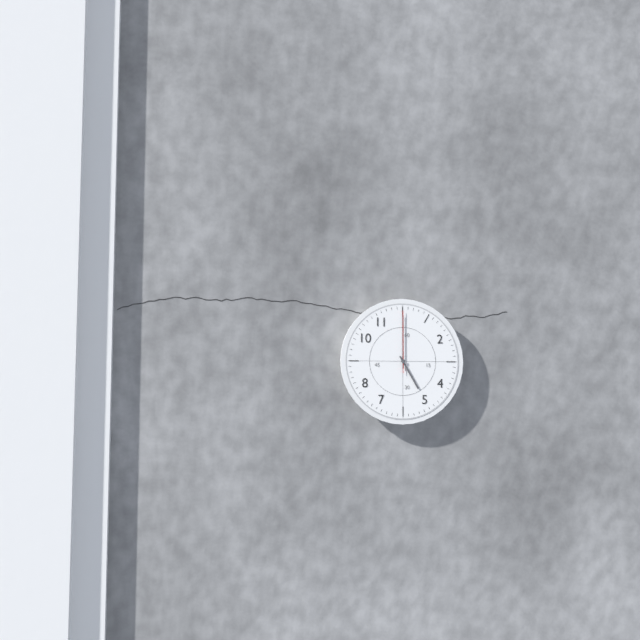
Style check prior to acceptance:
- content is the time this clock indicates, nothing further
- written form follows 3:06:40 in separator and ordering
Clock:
5:00:00
